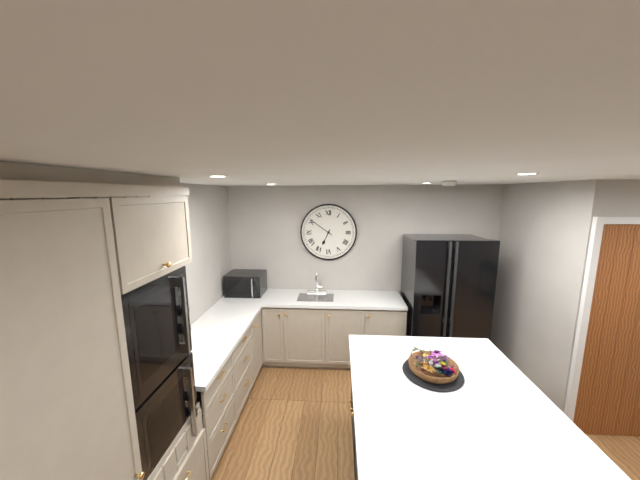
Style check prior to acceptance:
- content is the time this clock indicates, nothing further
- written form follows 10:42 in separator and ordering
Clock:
6:51
